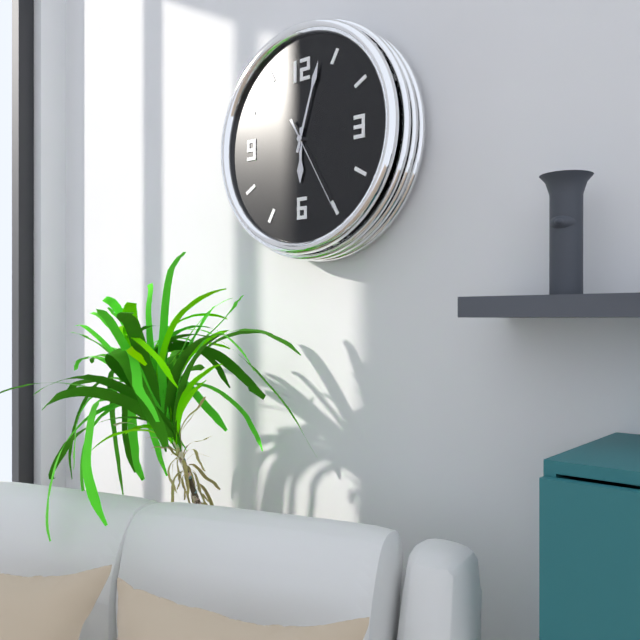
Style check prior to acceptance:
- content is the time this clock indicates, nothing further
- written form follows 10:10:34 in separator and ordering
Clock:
6:03:25
